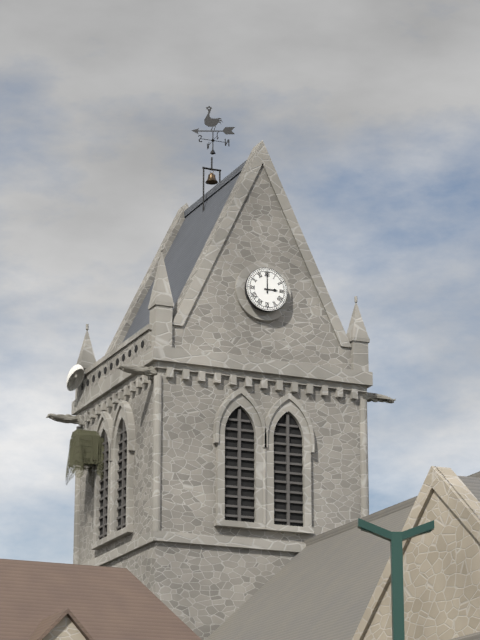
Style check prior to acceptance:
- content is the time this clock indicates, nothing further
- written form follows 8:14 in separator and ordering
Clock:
3:00
